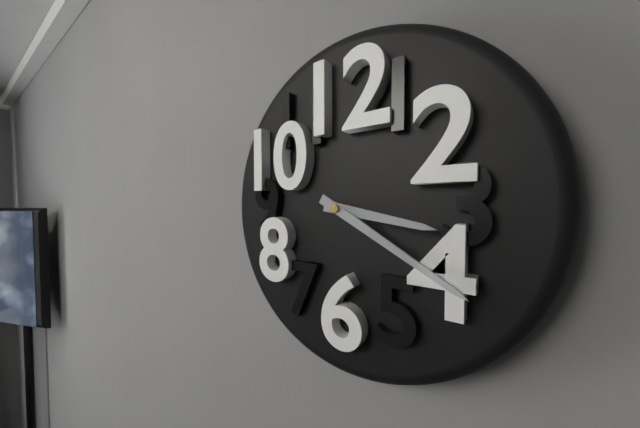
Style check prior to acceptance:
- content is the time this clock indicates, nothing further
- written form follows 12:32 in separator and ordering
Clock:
3:20
